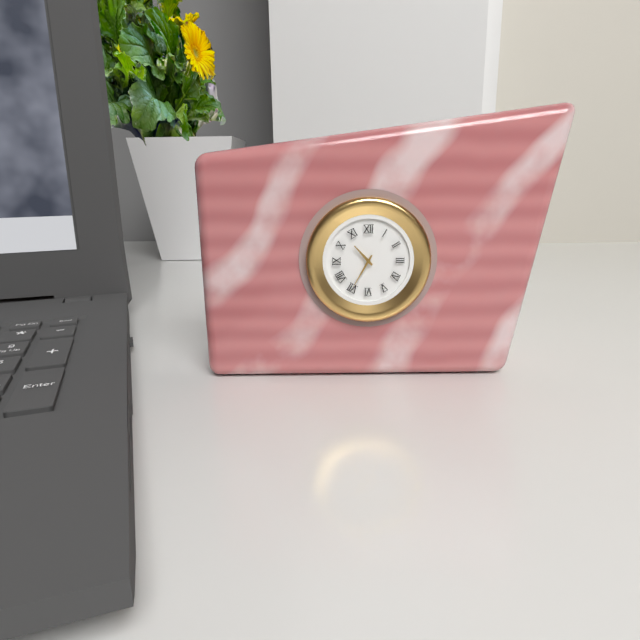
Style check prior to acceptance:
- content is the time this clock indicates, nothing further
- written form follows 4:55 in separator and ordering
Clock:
10:35
